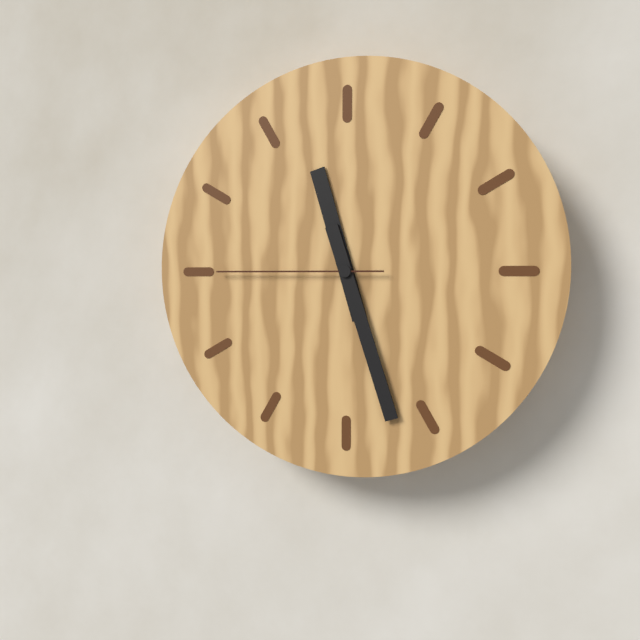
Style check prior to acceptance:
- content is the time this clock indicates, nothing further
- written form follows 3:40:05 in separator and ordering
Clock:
11:27:45
